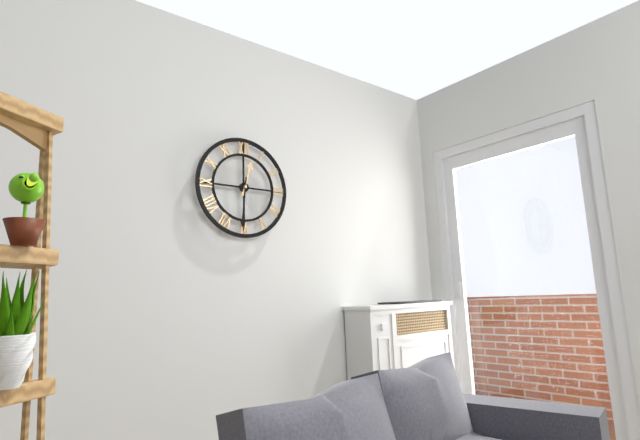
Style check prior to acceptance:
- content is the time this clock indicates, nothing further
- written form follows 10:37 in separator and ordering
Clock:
12:31
